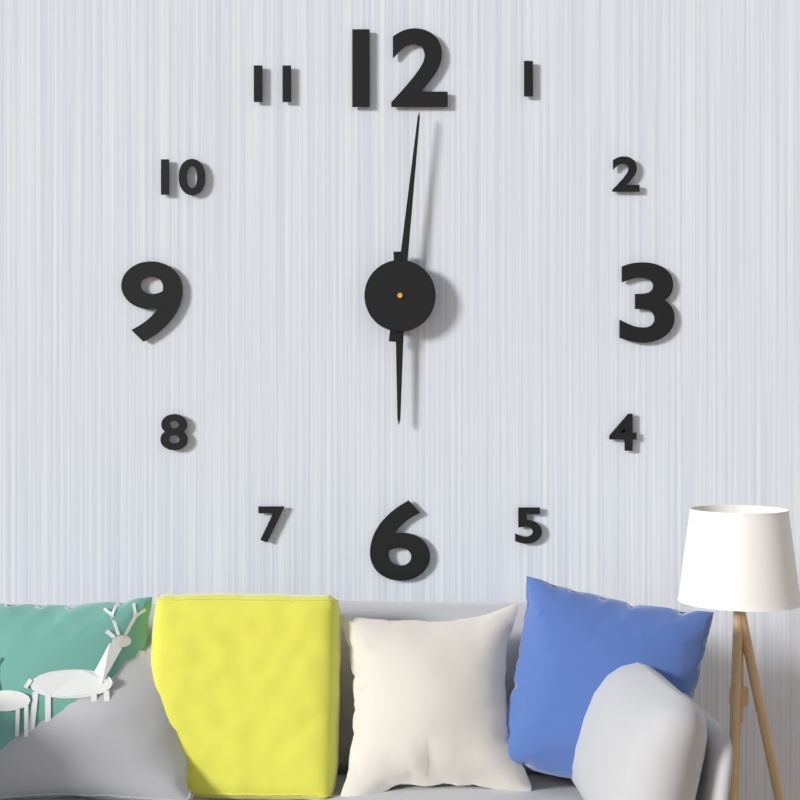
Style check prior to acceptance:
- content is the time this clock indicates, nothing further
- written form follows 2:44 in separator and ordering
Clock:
6:01
